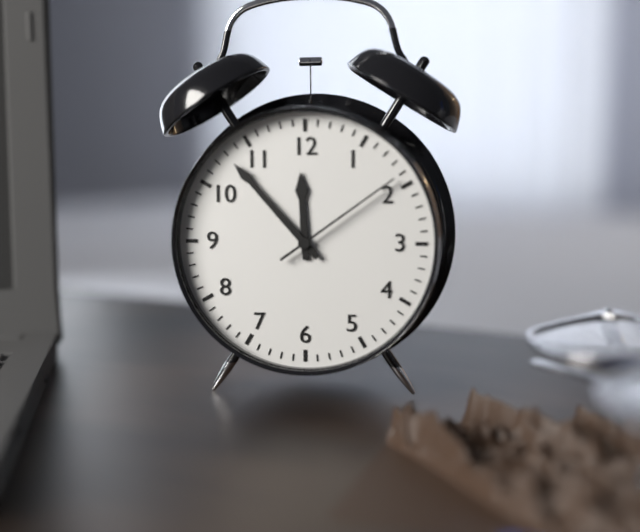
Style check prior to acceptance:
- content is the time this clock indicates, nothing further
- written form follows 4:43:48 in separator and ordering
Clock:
11:53:09
